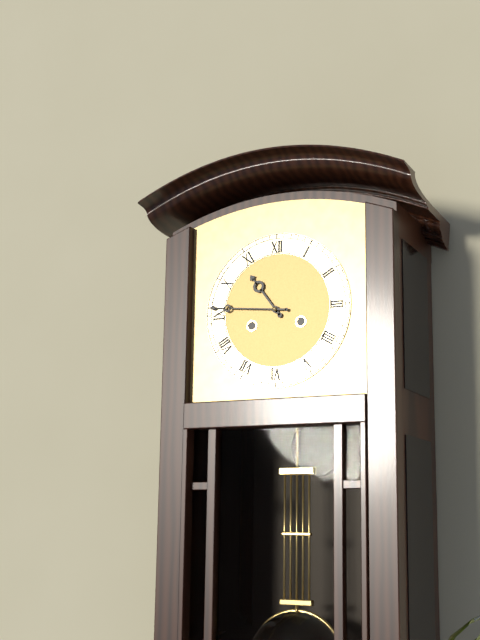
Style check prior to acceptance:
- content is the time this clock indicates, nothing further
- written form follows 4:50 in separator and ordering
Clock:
10:46
